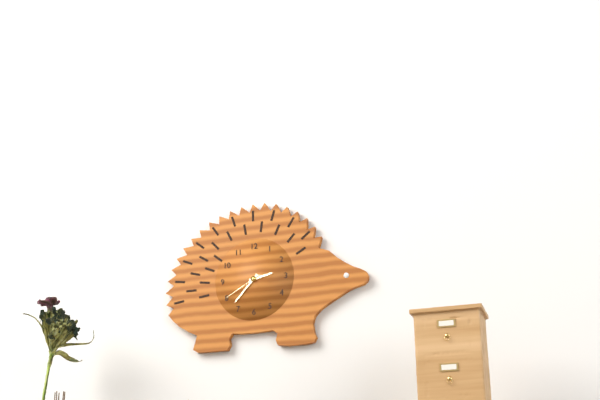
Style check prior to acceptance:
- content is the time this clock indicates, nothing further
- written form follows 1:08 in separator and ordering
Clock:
2:37
